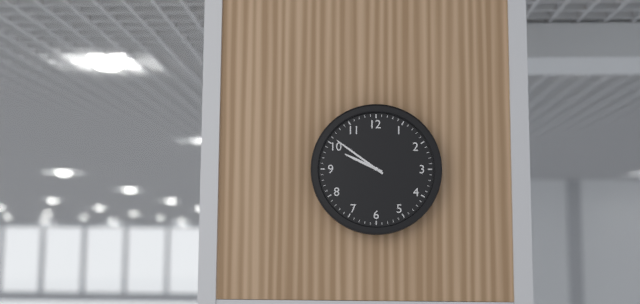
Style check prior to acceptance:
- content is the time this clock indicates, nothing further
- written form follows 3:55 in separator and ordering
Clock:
9:51
